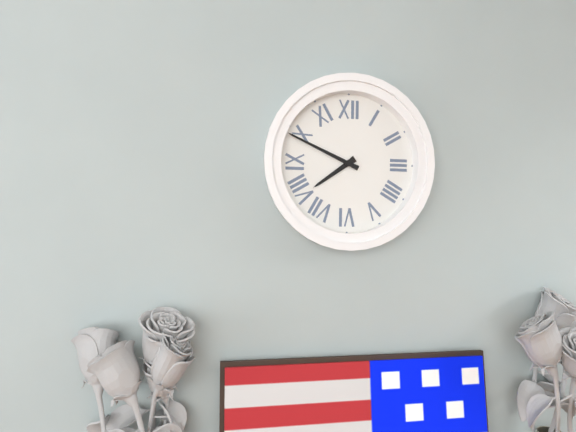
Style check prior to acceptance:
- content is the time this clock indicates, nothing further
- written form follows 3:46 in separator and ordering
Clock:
7:49
